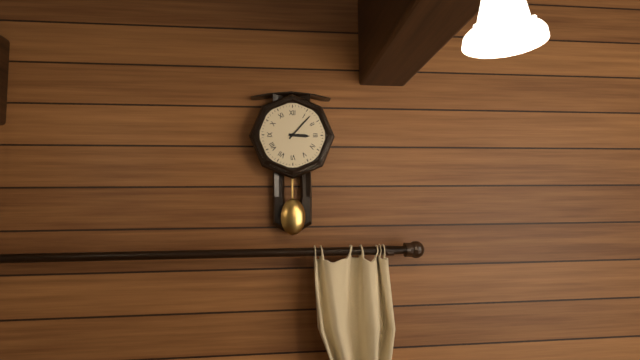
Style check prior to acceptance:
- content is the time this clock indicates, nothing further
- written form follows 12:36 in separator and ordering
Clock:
3:07
